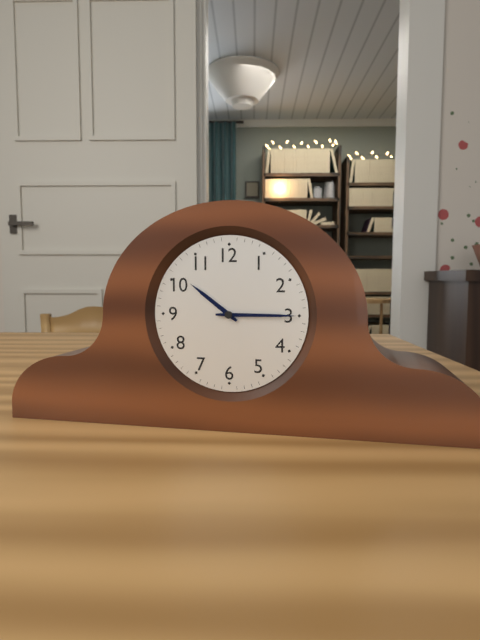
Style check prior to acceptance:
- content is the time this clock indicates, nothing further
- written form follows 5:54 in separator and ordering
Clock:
10:15
